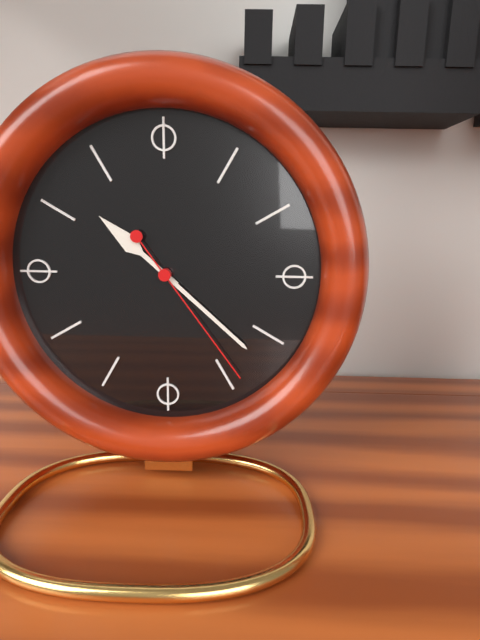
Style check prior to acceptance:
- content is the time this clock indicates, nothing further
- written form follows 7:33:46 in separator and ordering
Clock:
10:22:24
